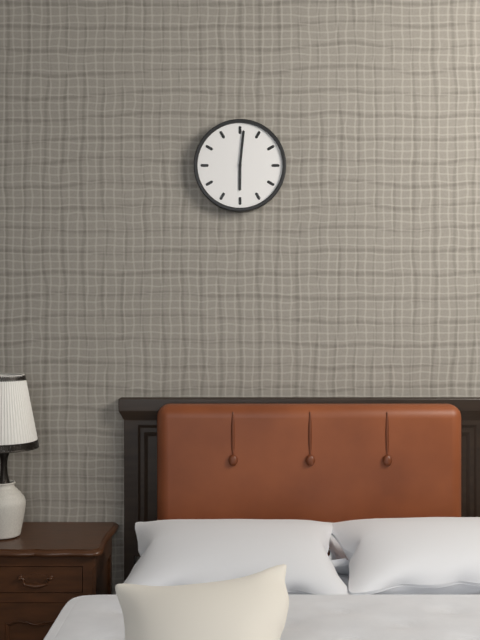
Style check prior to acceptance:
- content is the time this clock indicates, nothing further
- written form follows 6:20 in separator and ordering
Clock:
6:01
